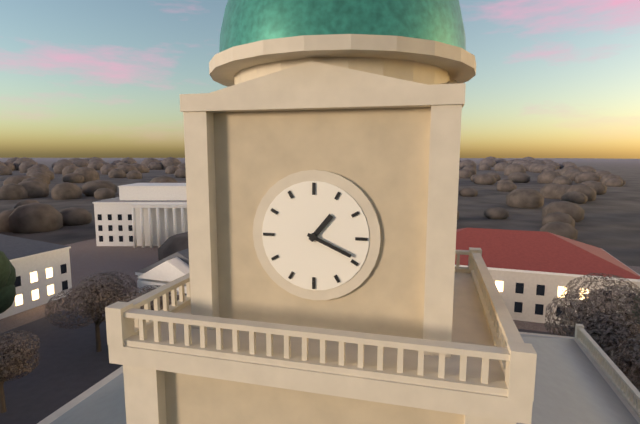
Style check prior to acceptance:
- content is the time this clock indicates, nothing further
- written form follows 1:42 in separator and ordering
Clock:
1:19
